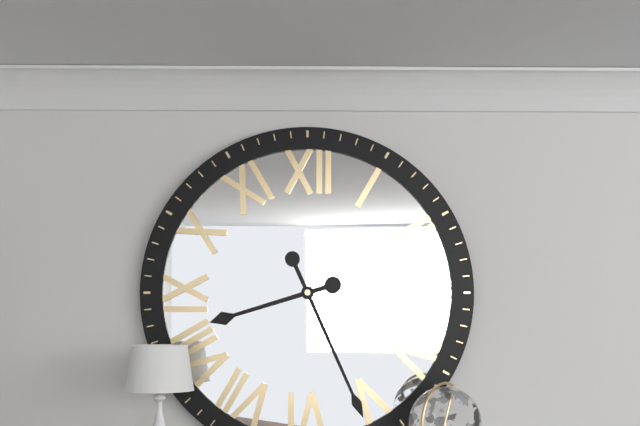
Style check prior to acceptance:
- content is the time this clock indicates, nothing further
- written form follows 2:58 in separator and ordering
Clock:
8:26
